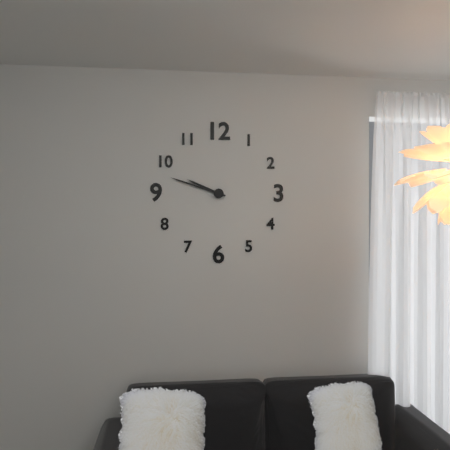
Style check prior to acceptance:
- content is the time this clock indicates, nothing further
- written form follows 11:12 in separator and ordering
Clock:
9:48
